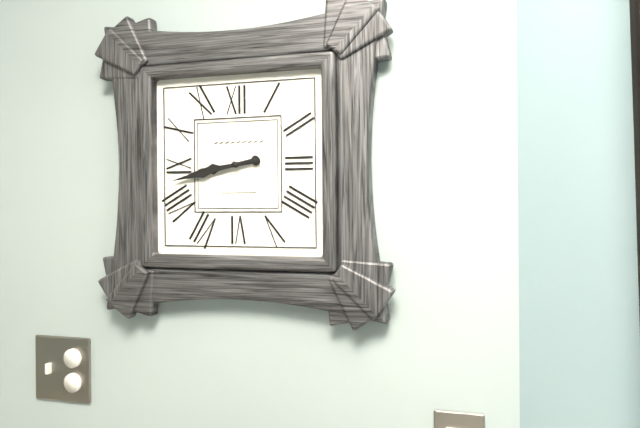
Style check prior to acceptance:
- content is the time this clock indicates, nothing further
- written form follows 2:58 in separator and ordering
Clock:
8:43
